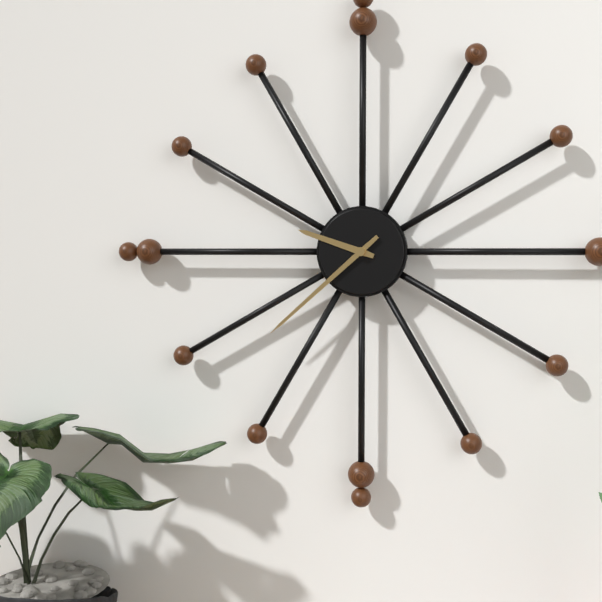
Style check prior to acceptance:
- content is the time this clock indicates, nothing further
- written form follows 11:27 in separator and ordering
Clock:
9:38
